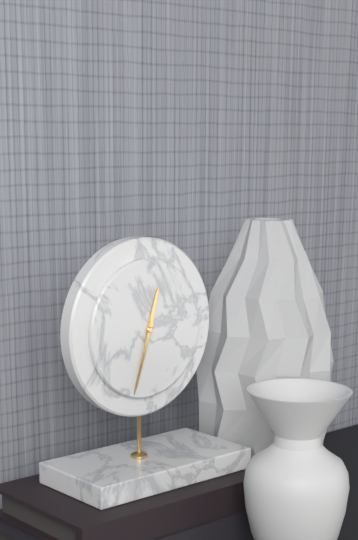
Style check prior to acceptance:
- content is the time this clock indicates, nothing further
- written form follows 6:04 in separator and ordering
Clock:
12:33
